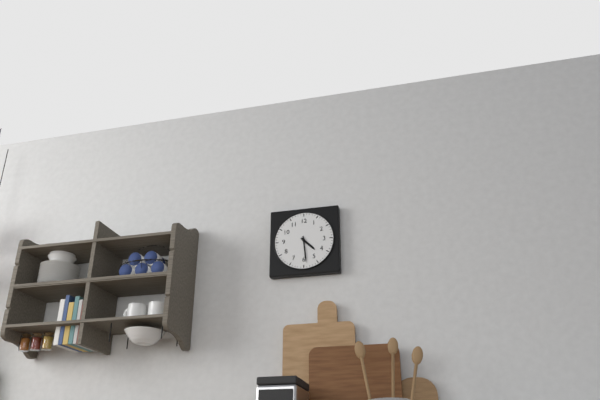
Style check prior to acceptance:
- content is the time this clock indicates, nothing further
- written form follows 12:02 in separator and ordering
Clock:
4:29
